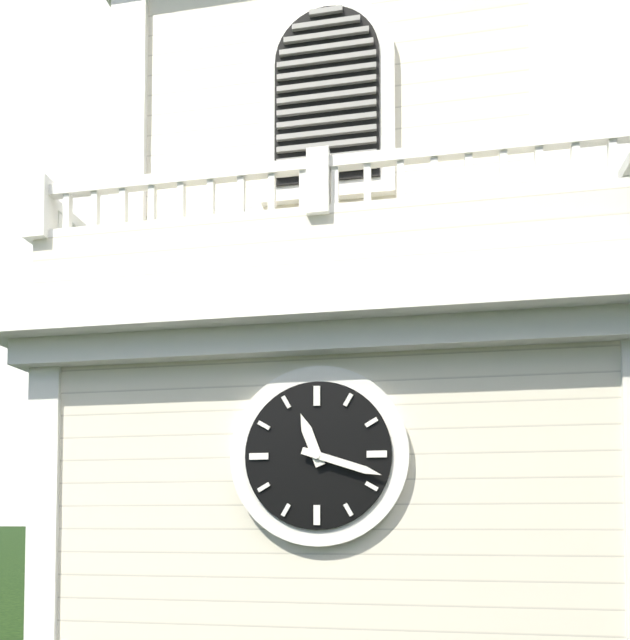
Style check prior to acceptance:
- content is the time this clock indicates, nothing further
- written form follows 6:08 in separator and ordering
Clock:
11:18
